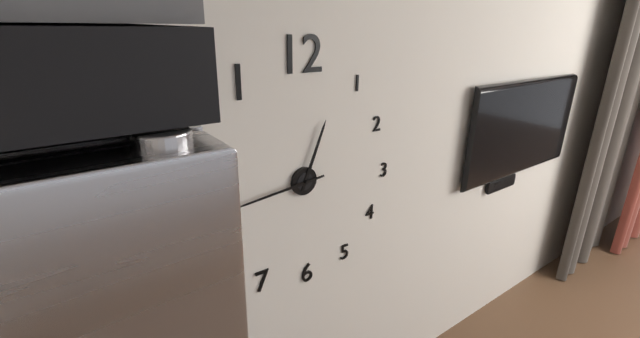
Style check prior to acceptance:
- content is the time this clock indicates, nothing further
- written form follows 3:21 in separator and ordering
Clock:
12:44
